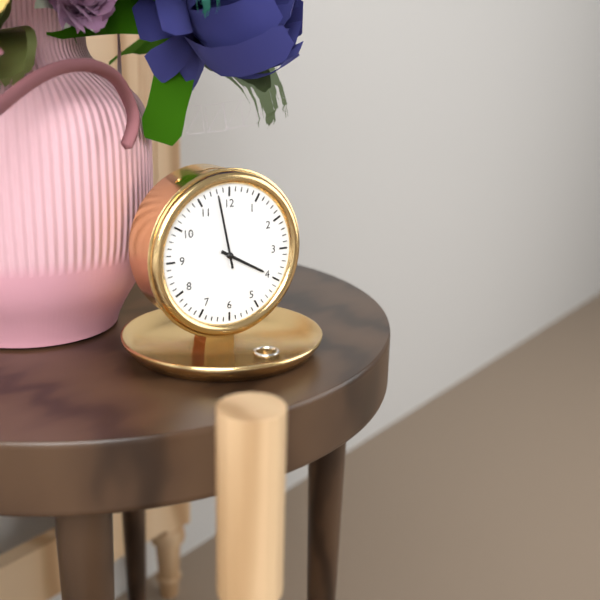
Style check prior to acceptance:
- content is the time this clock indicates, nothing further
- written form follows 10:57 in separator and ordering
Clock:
3:58
